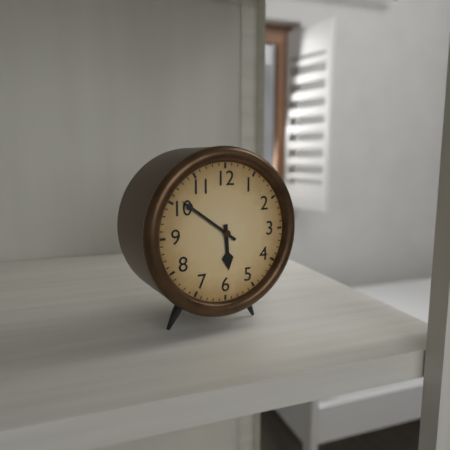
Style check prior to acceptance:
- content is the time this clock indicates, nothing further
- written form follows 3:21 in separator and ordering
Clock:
5:51
